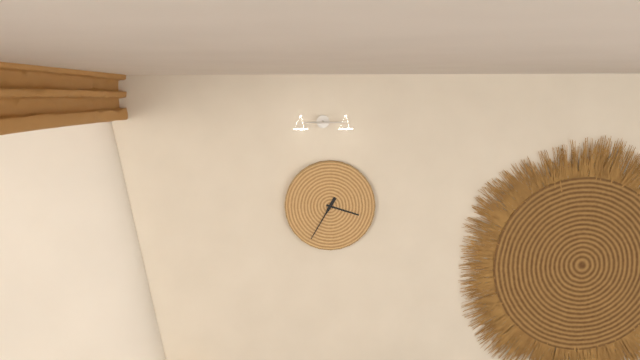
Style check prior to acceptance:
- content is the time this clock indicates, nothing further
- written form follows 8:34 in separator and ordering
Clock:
3:35
